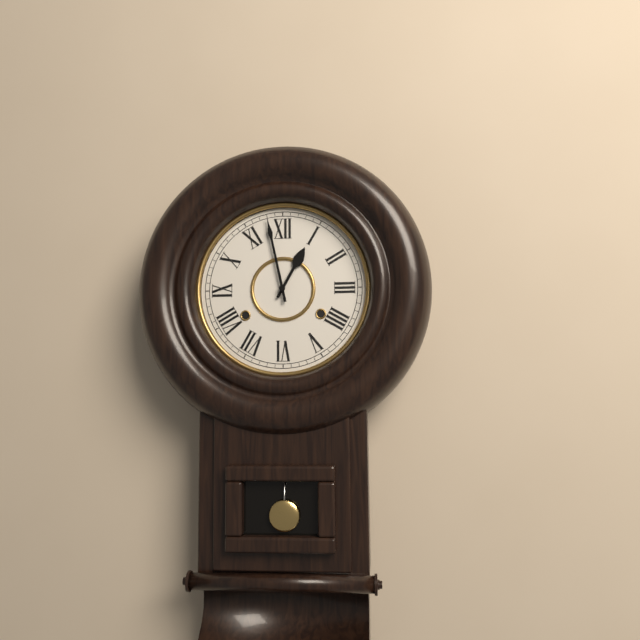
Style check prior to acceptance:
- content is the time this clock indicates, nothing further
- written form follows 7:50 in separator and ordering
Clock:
12:58
